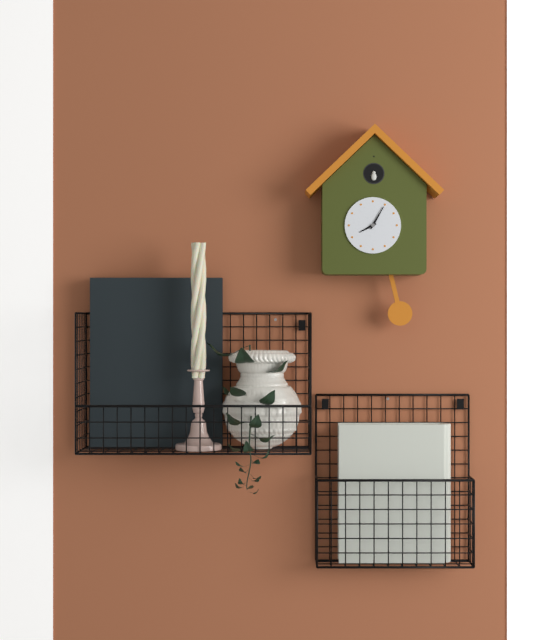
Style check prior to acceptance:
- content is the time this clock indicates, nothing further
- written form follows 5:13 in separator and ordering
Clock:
8:05
